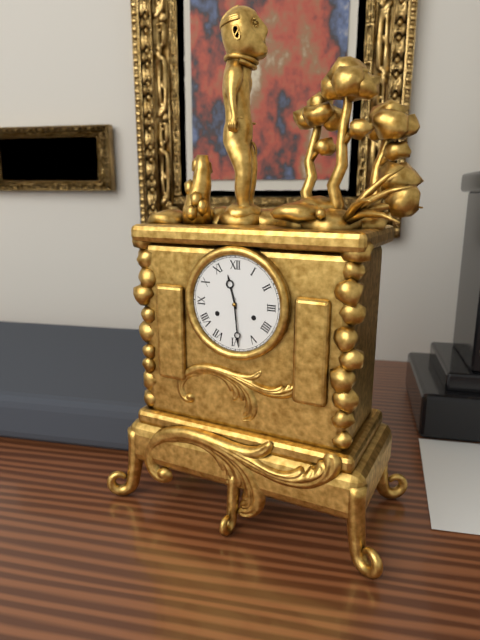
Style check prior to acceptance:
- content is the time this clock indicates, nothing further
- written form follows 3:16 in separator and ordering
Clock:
11:29
